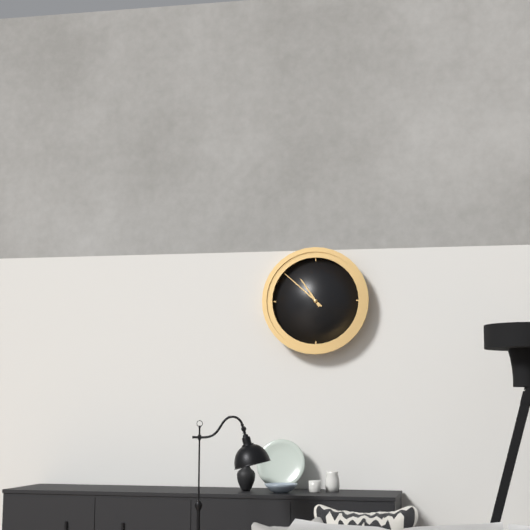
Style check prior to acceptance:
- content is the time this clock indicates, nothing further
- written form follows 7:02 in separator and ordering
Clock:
10:52
